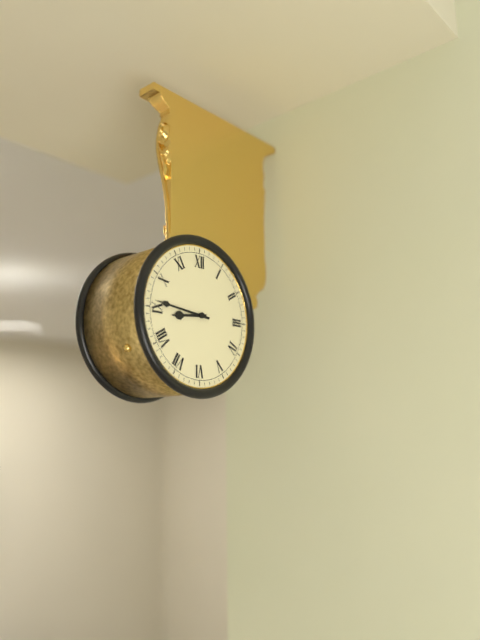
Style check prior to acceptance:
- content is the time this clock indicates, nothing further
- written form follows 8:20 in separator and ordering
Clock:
8:46
